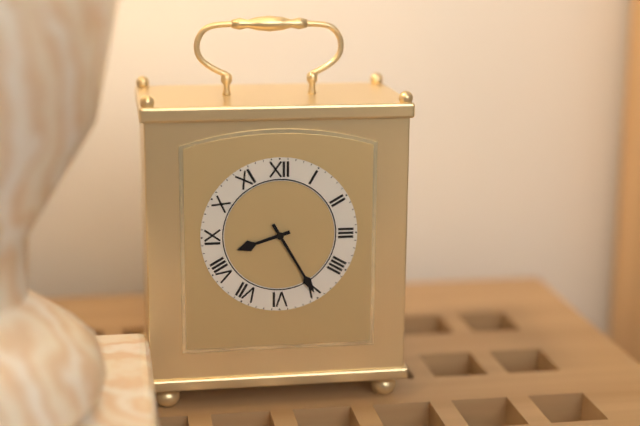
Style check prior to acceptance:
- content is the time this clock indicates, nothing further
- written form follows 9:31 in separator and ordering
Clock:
8:25
